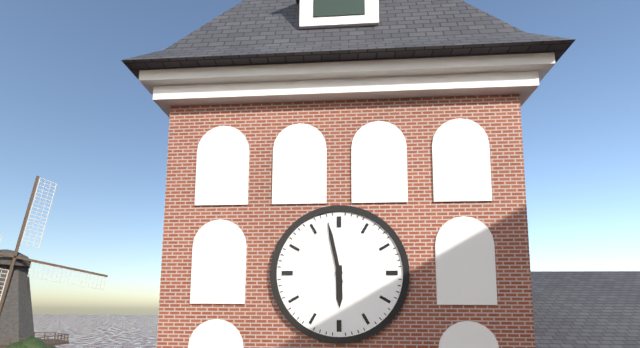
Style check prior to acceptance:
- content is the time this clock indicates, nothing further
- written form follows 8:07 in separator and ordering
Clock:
5:58
